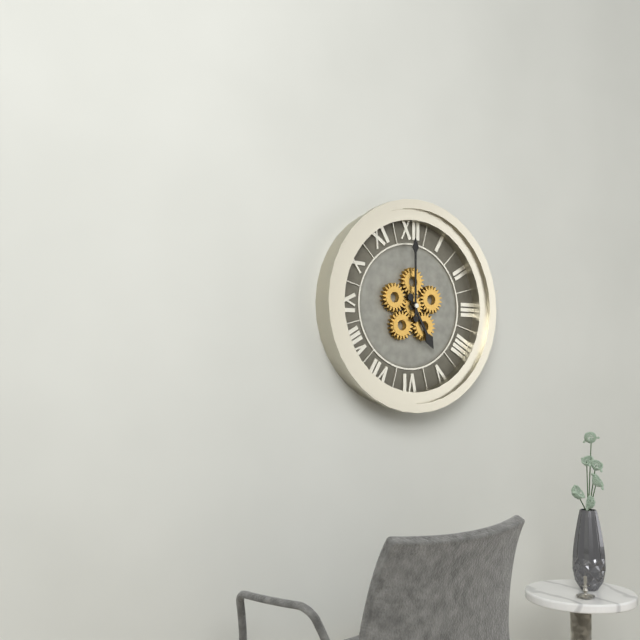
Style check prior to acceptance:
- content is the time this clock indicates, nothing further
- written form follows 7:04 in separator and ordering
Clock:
5:00
